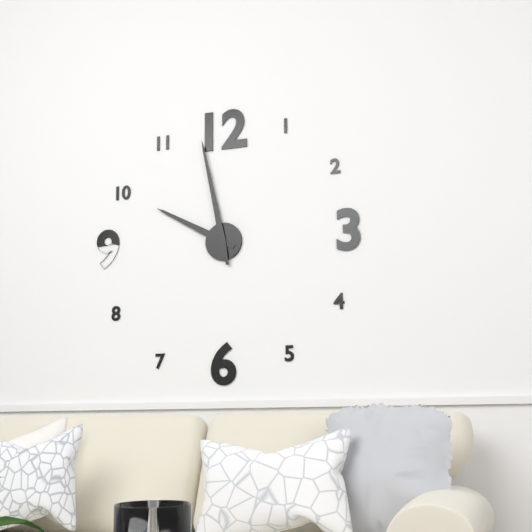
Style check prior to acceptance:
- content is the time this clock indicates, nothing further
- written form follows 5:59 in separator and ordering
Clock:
9:58
